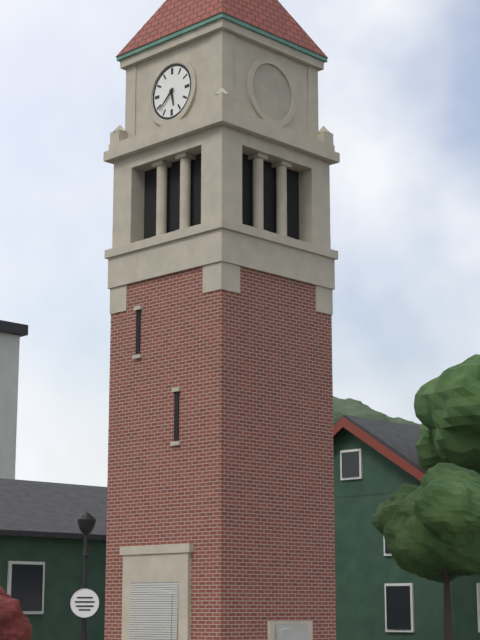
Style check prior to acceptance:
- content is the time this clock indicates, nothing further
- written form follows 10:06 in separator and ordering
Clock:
5:38
